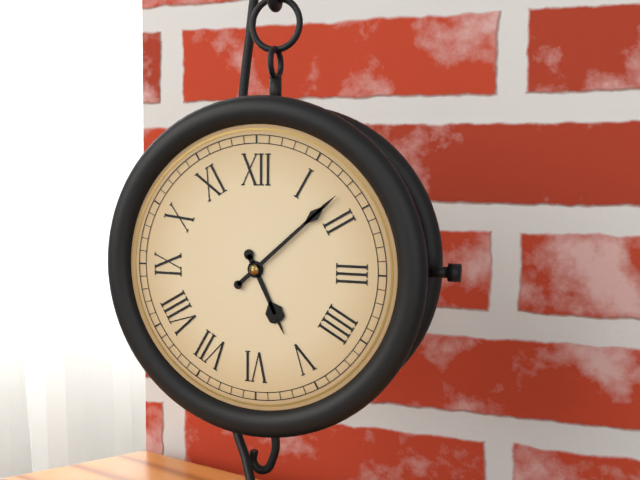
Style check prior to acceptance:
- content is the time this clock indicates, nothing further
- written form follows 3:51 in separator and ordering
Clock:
5:08
